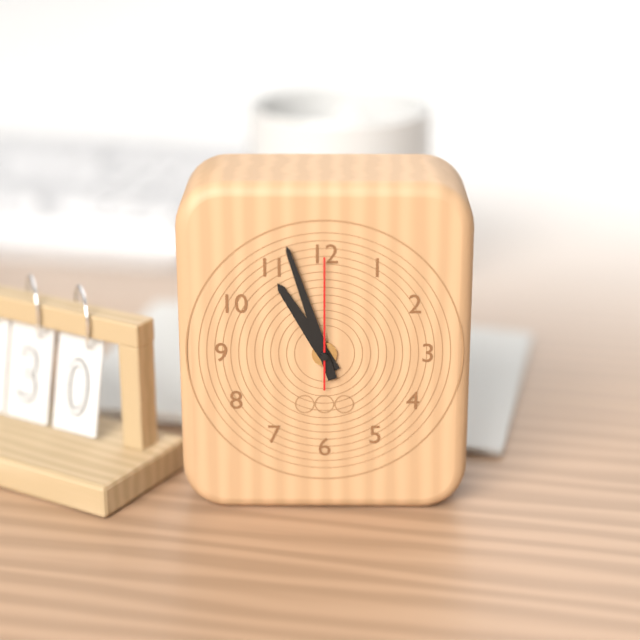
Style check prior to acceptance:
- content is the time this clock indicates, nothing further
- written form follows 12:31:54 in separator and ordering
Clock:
10:57:00
